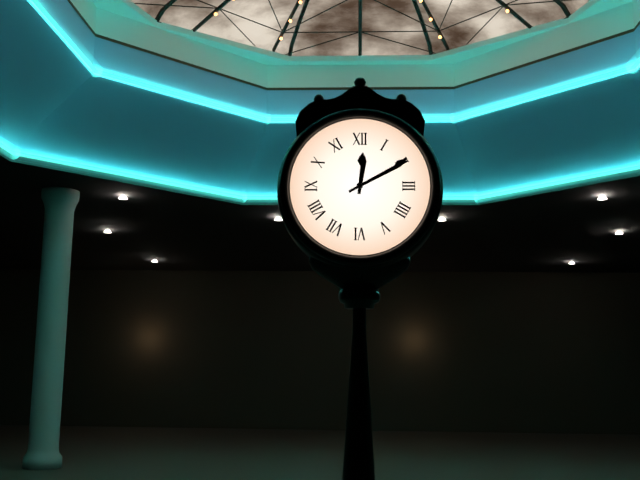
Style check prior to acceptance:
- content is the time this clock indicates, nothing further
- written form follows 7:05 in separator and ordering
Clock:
12:10
